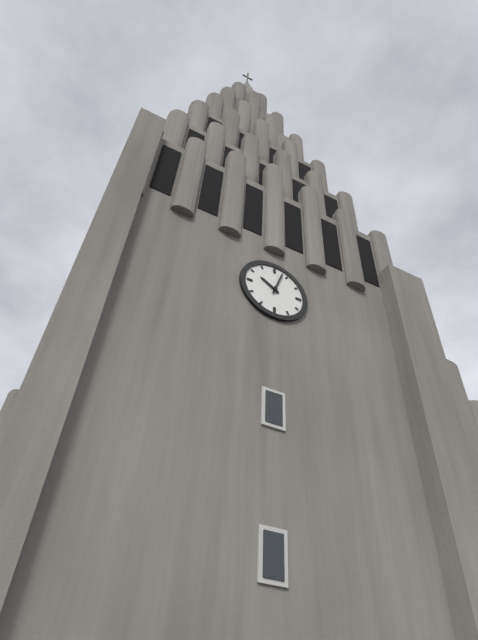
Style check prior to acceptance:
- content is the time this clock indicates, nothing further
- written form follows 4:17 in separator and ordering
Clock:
10:03
